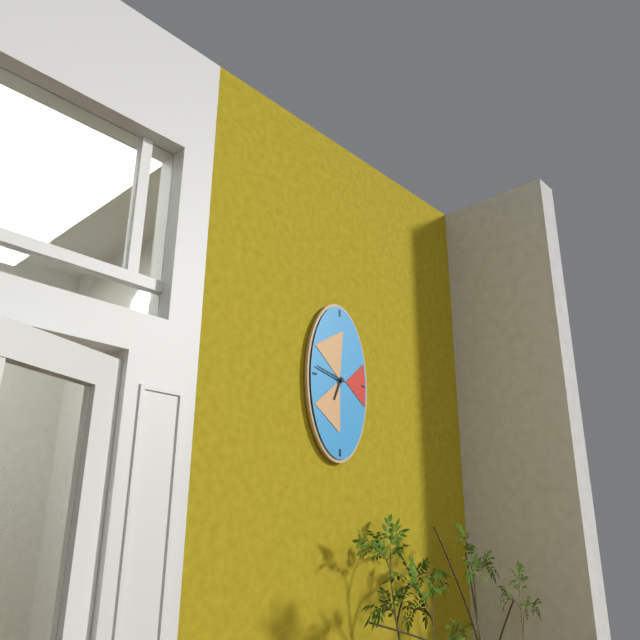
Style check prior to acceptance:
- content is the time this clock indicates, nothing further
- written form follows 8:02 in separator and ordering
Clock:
6:47
